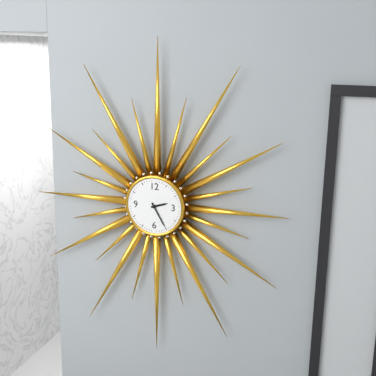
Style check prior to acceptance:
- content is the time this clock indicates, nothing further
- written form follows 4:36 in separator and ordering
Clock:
2:25
